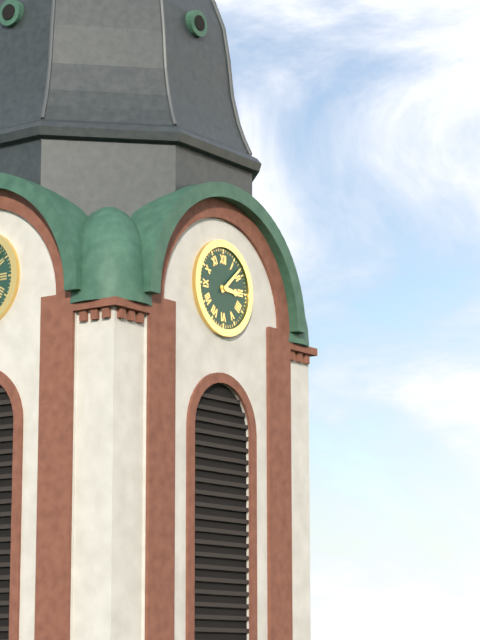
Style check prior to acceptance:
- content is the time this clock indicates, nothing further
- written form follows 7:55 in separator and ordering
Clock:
3:08
